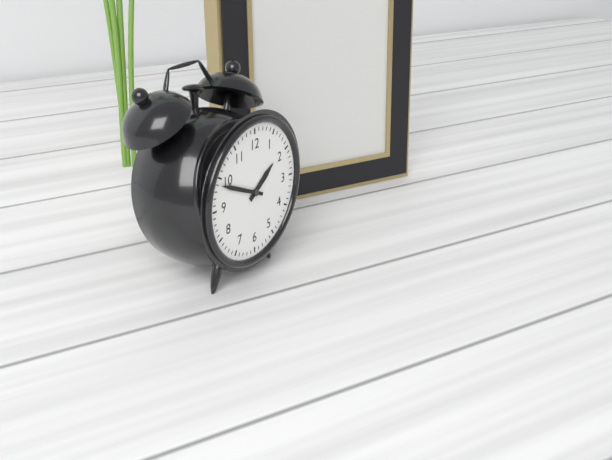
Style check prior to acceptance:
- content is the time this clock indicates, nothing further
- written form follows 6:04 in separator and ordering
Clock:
1:49
